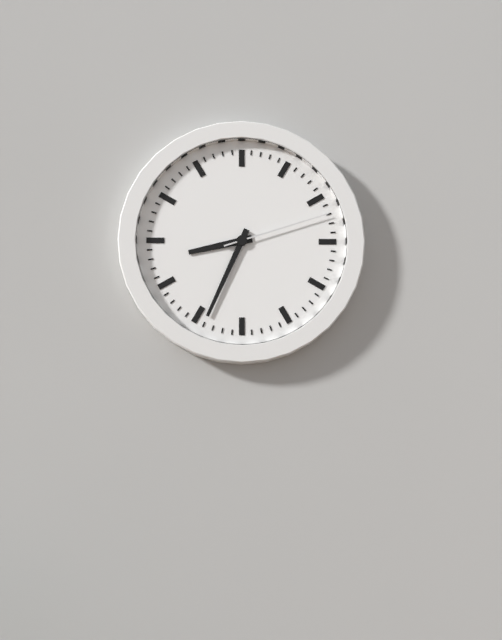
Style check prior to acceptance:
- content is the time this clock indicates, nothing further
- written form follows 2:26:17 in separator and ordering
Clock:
8:34:12
